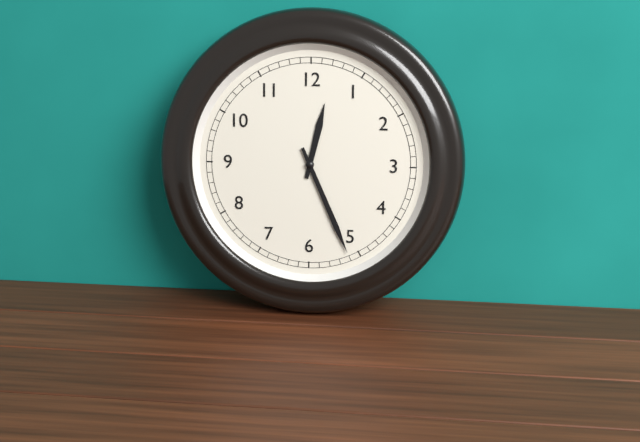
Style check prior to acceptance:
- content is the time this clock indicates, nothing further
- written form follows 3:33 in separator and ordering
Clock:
12:26
